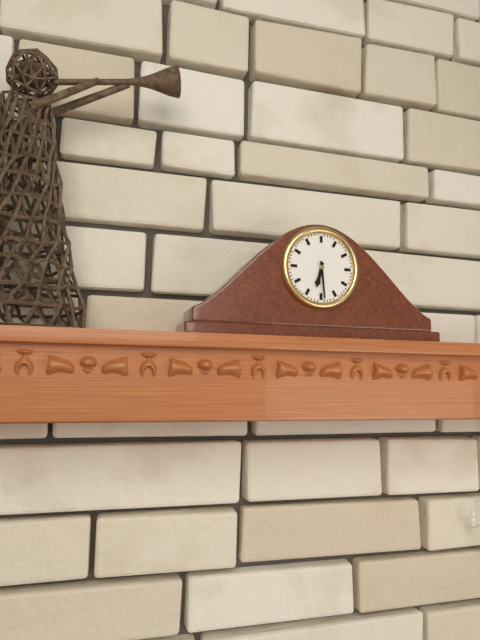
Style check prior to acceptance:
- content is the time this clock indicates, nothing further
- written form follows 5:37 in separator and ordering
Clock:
6:29
